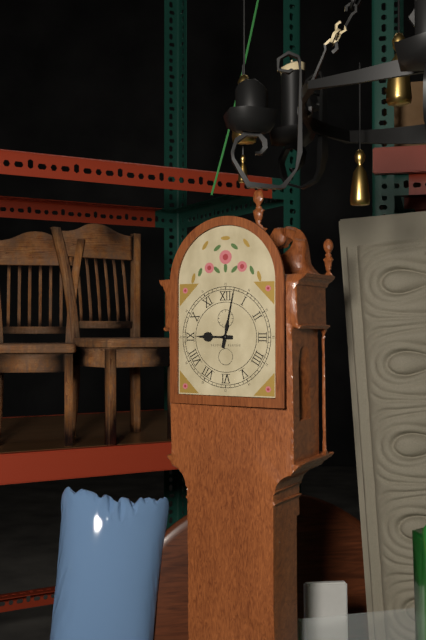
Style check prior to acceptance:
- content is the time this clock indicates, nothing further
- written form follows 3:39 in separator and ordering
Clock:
9:02
